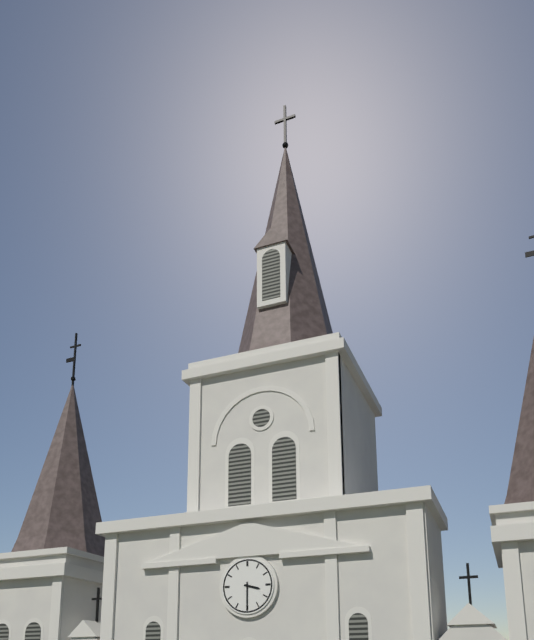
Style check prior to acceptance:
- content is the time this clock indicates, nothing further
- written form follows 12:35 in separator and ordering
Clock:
3:30
